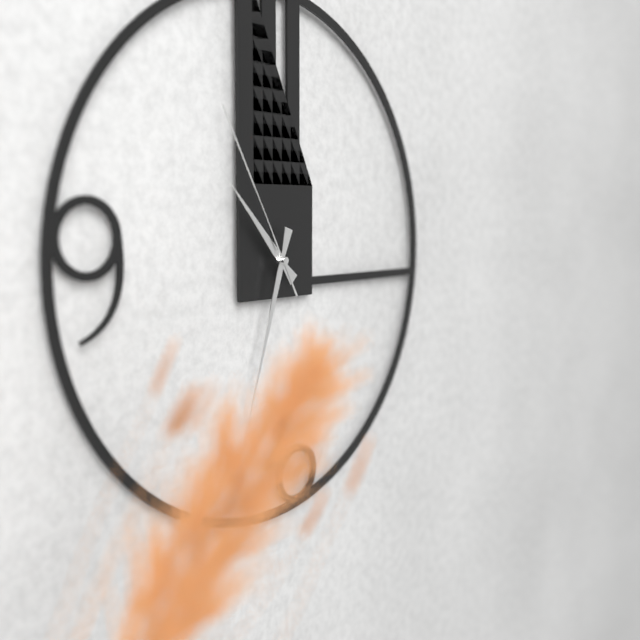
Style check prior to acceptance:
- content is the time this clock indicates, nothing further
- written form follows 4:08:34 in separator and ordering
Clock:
10:33:55
